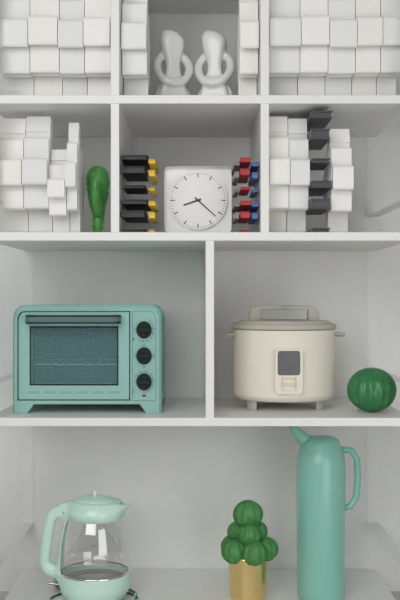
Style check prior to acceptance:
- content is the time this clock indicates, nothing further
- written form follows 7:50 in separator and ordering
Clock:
8:22
